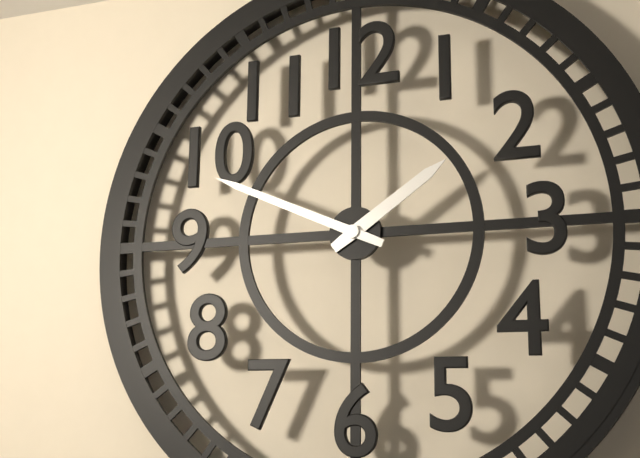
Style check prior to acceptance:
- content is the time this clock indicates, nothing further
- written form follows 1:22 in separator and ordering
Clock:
1:49
